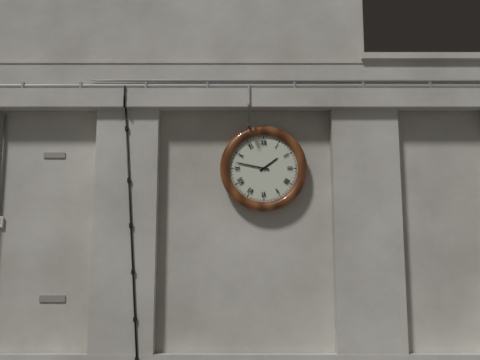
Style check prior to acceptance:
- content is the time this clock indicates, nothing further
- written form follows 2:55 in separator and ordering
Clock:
1:47
